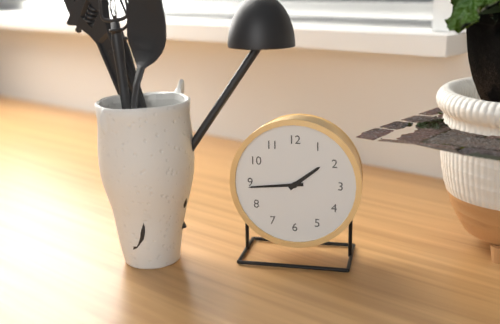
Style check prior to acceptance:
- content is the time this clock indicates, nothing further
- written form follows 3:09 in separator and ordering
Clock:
1:44
